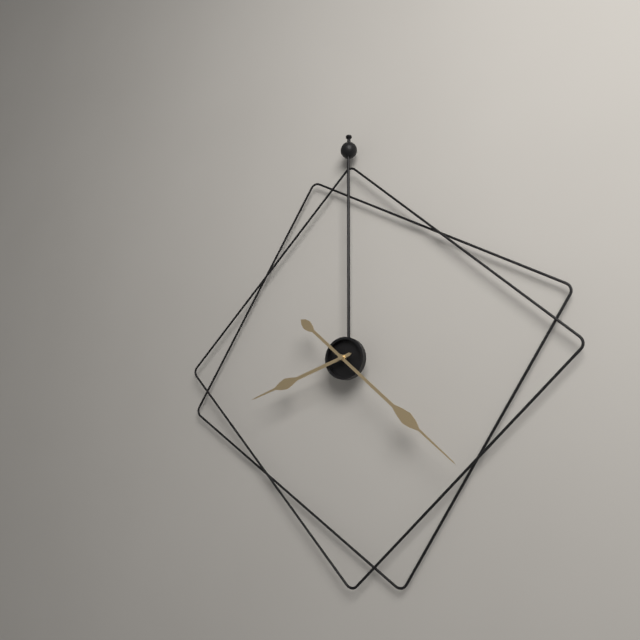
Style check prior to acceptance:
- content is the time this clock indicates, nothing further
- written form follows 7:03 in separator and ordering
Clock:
8:22
